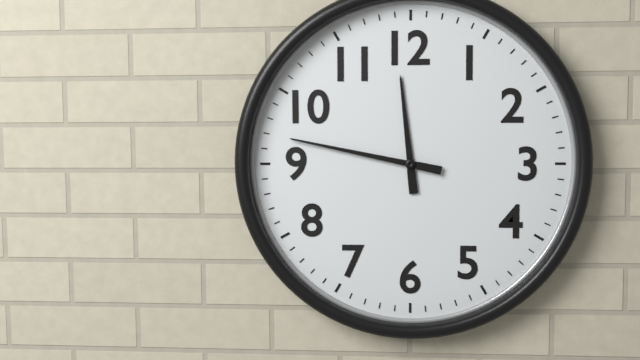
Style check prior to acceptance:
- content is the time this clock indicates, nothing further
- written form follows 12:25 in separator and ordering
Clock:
11:47
